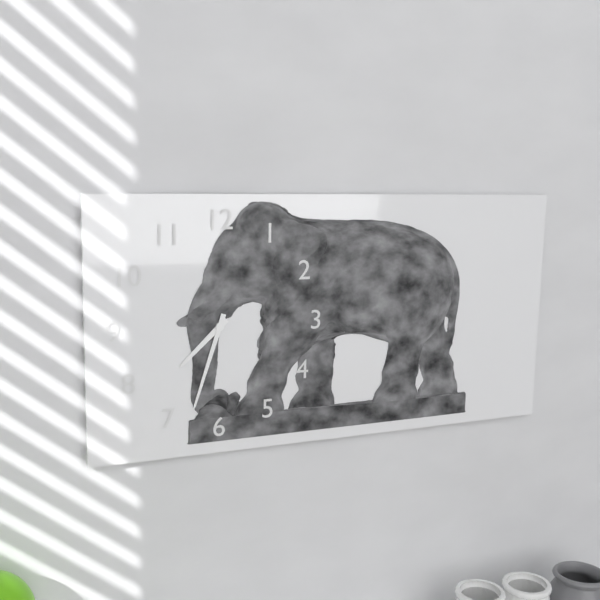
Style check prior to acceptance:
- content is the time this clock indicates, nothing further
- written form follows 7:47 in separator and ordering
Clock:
7:33
